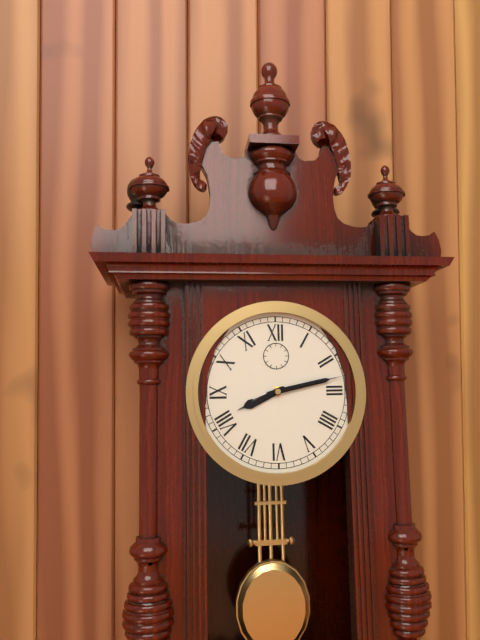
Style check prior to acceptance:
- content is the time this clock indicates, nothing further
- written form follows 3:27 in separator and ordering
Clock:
8:13
